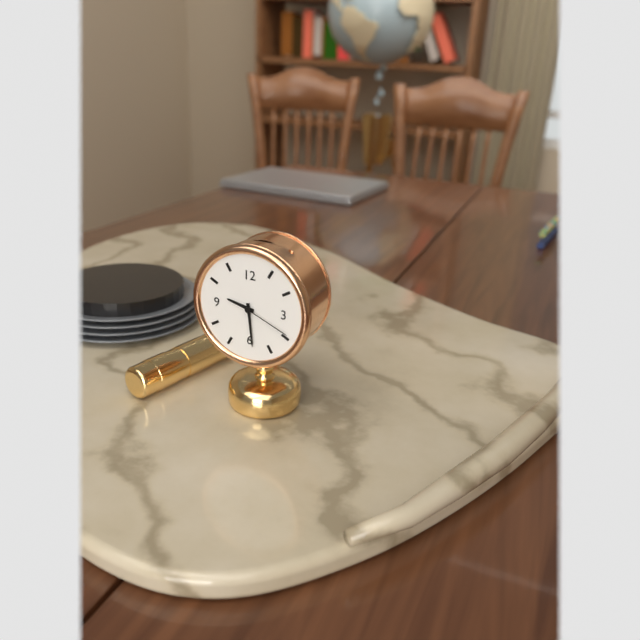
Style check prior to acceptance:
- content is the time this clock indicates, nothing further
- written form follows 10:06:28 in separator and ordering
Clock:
9:29:19
